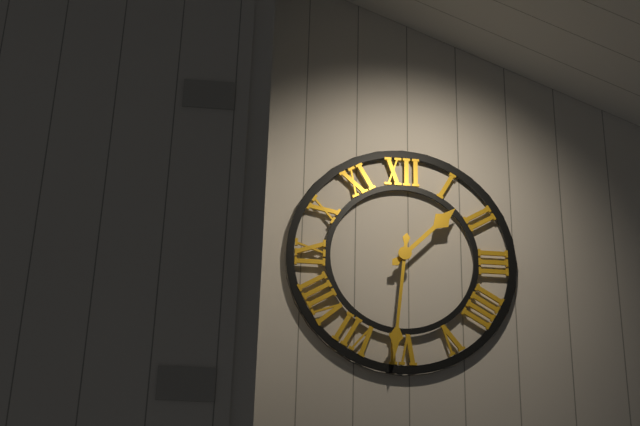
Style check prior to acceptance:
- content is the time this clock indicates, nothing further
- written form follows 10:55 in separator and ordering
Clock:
1:31
